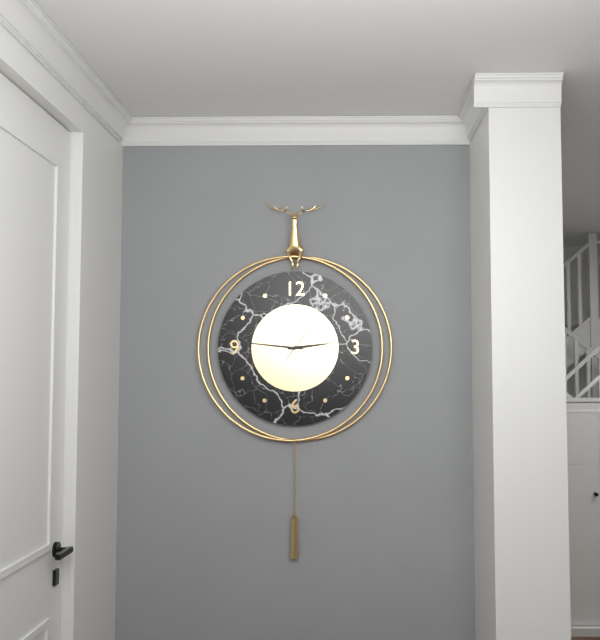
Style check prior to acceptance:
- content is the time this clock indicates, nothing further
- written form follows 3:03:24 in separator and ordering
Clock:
2:46:06
